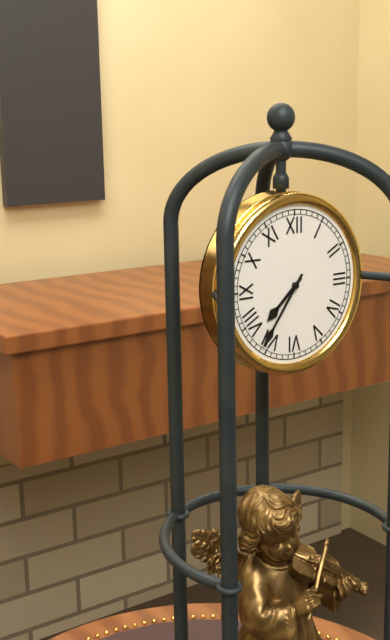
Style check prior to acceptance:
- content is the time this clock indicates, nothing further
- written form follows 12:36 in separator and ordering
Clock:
7:36
